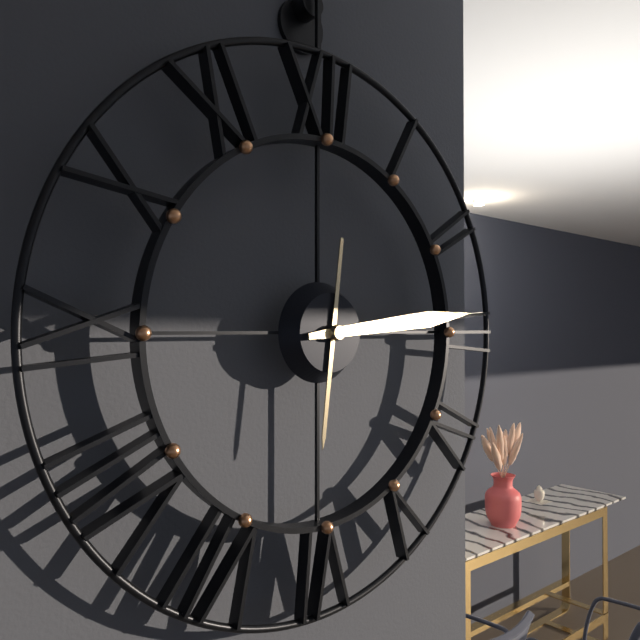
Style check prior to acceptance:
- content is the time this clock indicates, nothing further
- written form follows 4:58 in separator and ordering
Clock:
6:14
